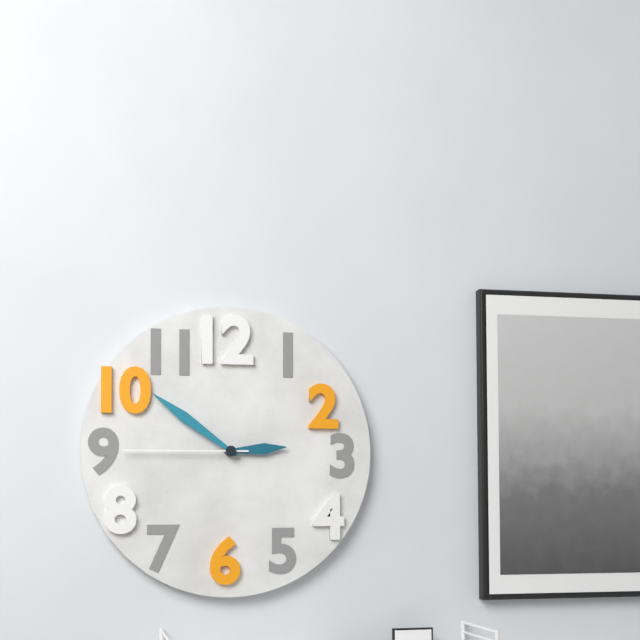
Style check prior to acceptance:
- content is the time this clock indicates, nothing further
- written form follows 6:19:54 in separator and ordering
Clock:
2:51:45
